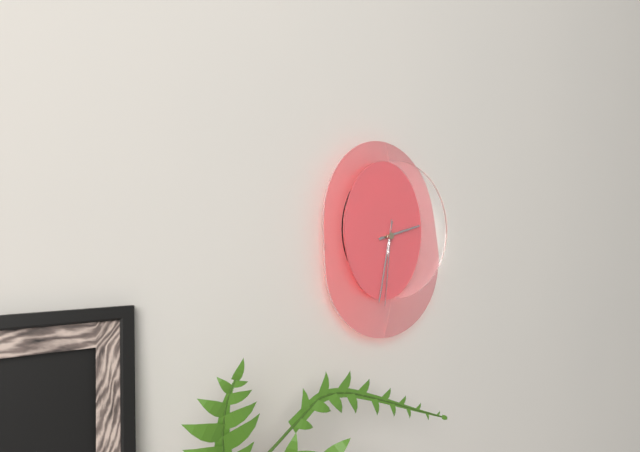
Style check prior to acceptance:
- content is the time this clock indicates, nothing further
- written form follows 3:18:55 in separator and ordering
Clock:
2:32:31
